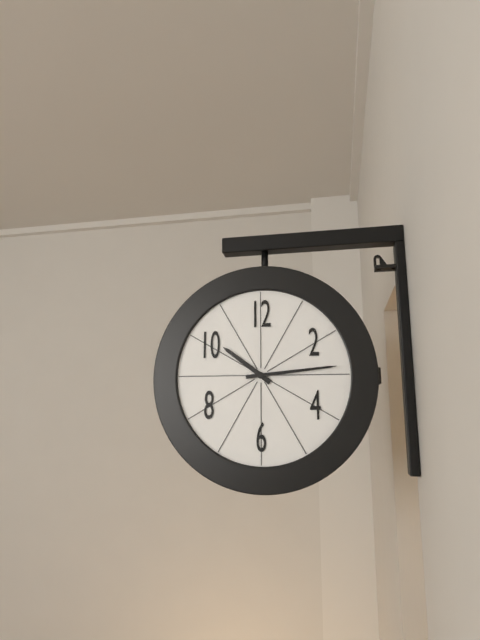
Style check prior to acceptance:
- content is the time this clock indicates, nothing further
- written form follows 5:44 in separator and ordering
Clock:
10:14
